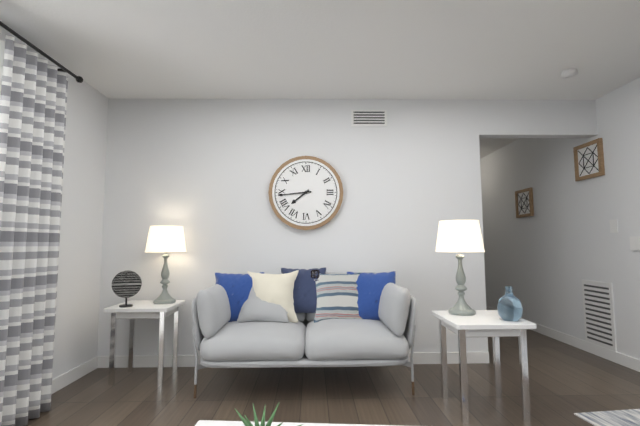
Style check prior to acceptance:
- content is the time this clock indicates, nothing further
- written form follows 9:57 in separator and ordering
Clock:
7:44
